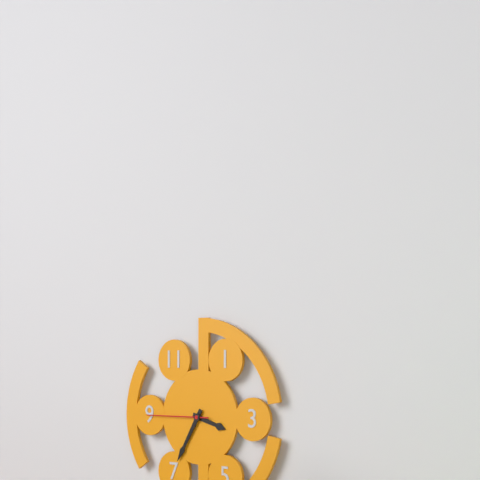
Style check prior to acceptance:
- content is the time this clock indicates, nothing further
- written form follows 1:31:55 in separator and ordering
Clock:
3:35:45
